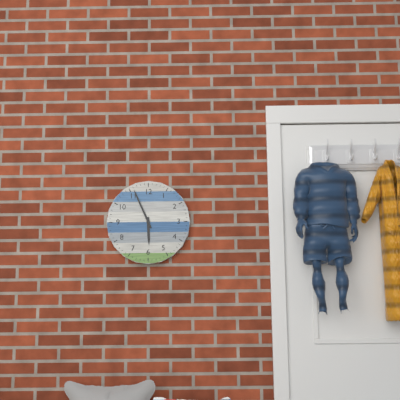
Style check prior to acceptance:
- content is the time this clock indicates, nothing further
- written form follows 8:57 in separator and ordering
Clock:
5:56
